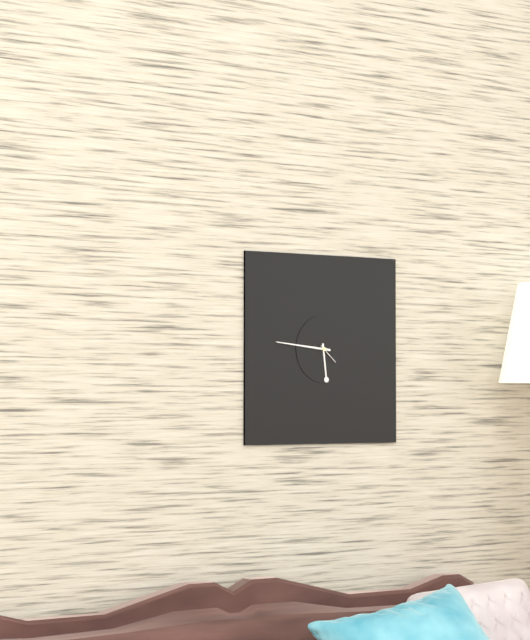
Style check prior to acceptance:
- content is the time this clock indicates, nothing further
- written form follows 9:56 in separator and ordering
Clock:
5:46
